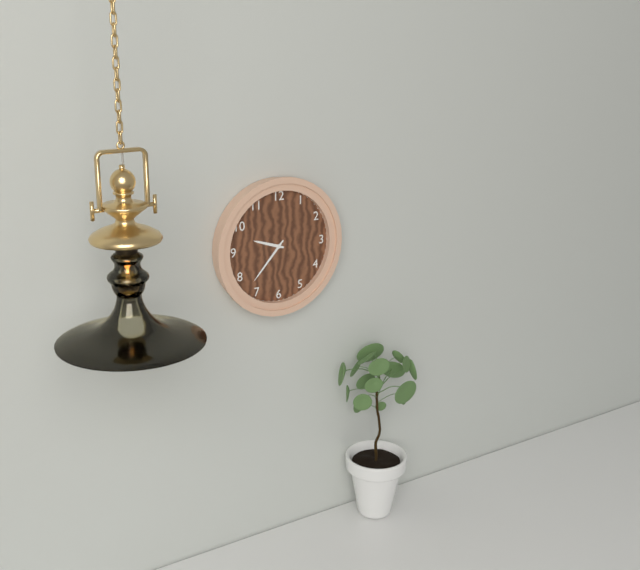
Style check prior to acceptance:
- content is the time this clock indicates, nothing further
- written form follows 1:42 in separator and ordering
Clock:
9:37
